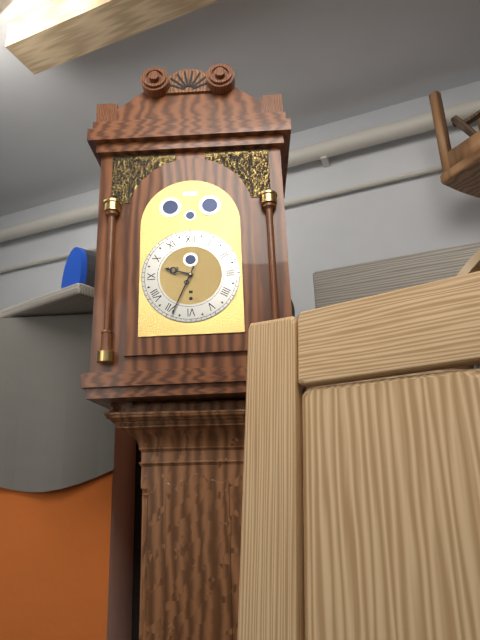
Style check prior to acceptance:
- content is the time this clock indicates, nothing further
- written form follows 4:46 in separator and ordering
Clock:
9:34
